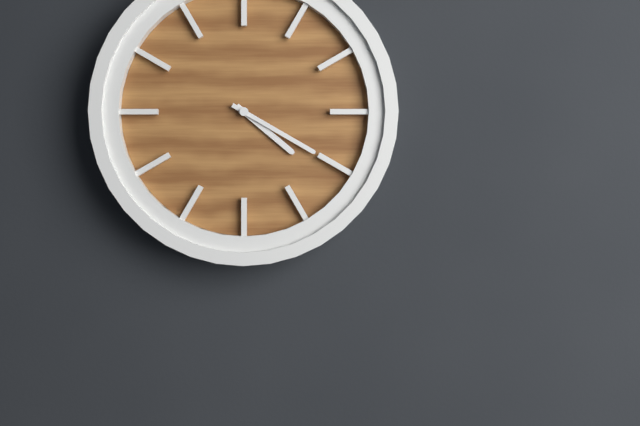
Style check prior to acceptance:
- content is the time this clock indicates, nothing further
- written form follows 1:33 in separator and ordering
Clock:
4:20
